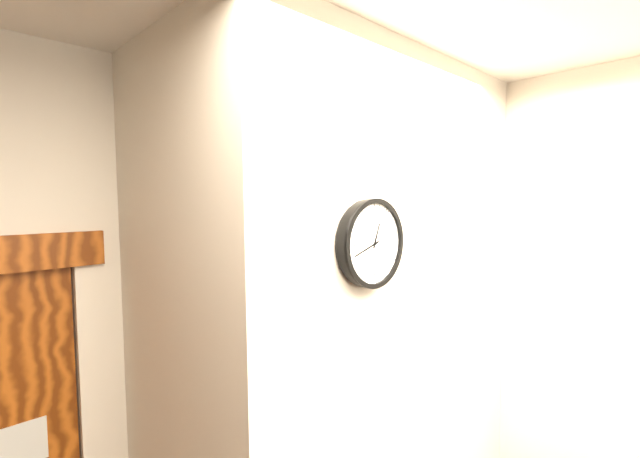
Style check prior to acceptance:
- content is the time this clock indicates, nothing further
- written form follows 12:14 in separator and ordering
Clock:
12:42
